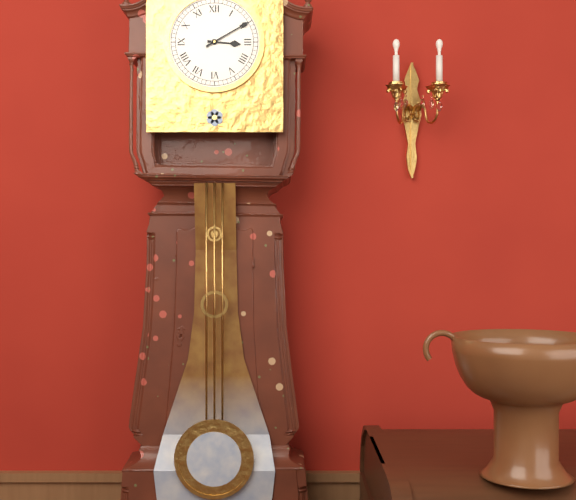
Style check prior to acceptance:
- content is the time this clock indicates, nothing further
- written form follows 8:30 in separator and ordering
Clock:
3:10
